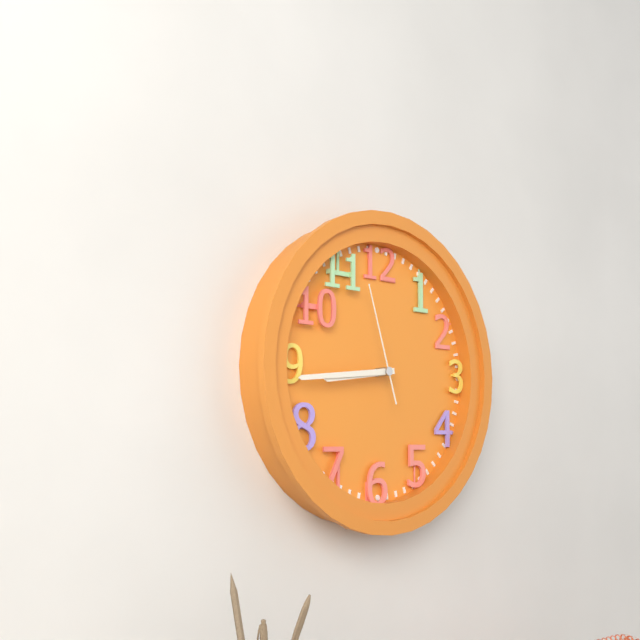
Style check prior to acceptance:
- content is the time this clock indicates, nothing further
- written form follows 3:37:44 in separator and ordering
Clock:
8:44:57
